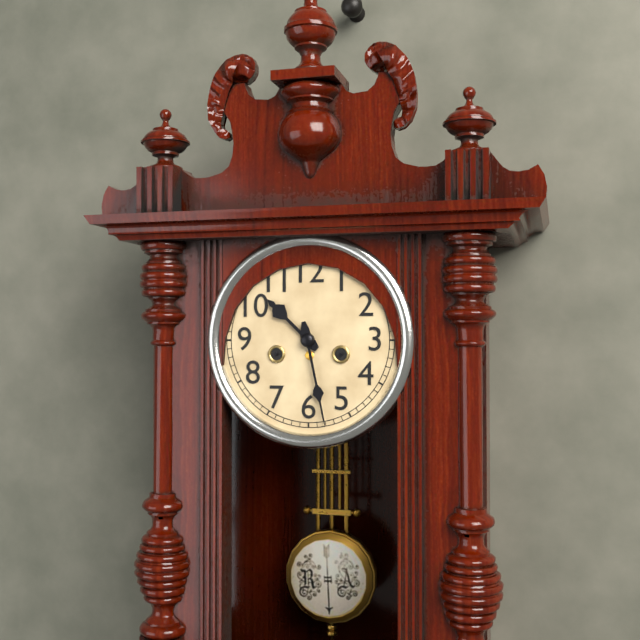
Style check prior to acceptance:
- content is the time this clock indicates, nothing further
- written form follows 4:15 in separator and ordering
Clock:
10:28
